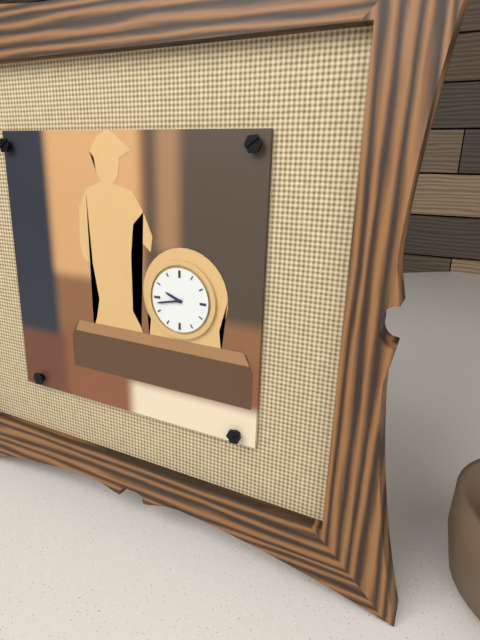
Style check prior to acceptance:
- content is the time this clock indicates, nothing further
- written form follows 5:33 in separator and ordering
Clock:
9:43
